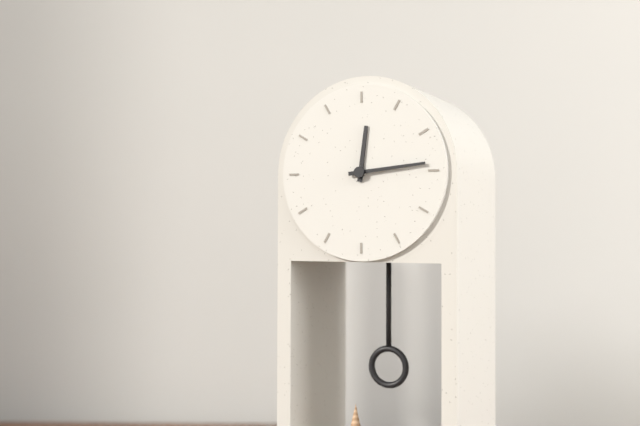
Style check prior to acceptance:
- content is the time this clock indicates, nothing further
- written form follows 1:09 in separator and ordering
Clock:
12:14
